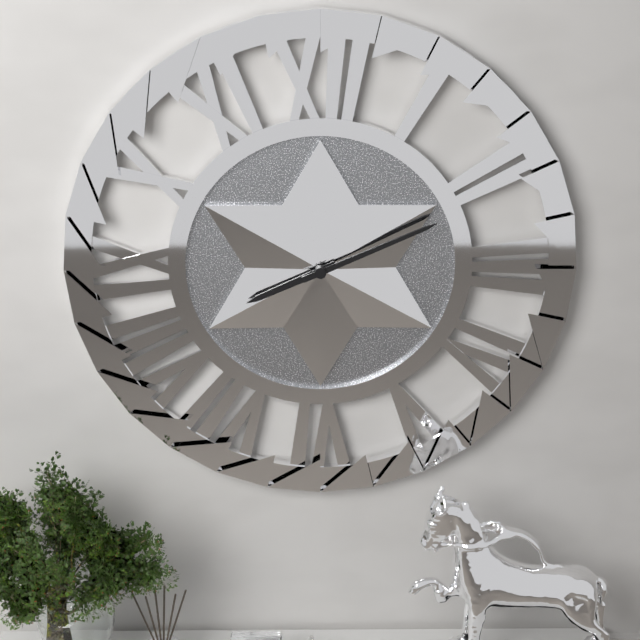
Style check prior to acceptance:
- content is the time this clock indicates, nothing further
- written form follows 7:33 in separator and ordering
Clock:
8:11
